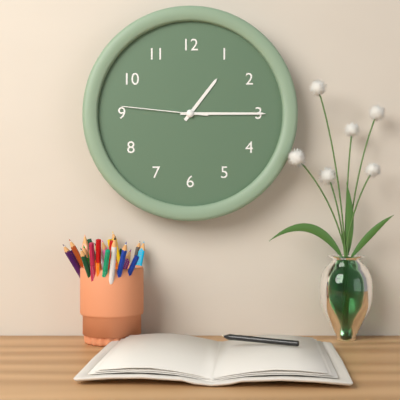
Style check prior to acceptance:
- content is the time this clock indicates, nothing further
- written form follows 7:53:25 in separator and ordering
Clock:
1:15:46
